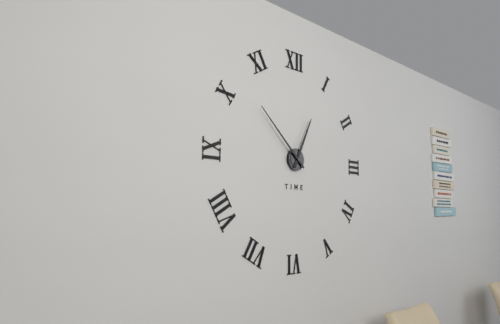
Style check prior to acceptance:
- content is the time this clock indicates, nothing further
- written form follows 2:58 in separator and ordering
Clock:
12:52
